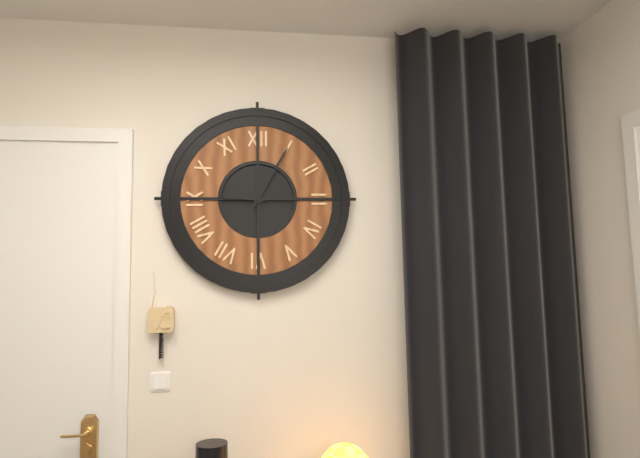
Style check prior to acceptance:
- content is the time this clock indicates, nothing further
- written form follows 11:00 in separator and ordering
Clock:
9:05
